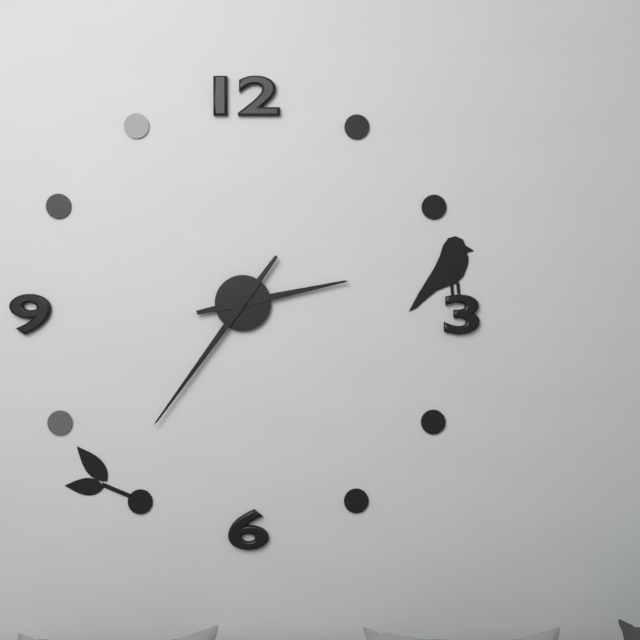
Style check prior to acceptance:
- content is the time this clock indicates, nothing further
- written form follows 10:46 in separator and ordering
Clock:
2:36
